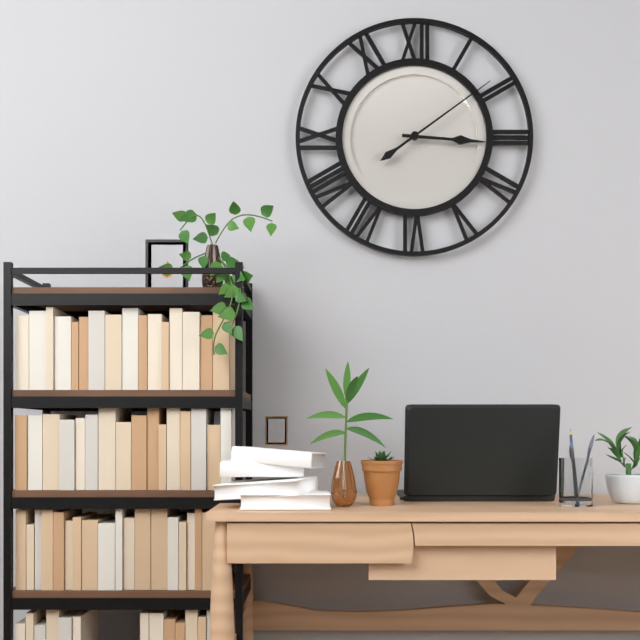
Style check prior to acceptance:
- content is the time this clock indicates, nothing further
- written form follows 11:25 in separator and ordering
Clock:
3:09
